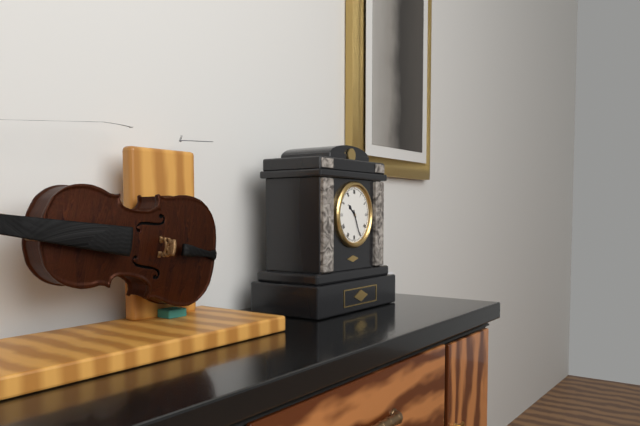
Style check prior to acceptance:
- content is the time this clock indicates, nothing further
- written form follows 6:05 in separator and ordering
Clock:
10:26
